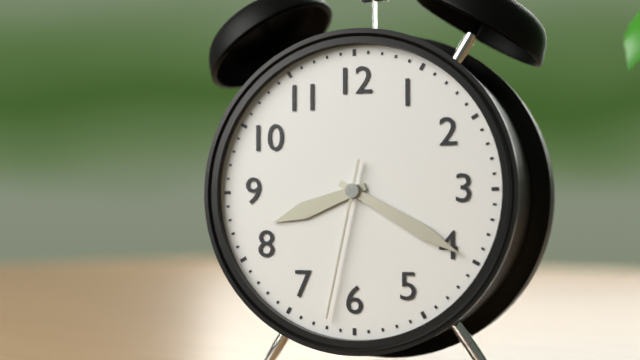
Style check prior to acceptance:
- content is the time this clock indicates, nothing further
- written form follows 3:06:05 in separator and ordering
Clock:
8:20:32
